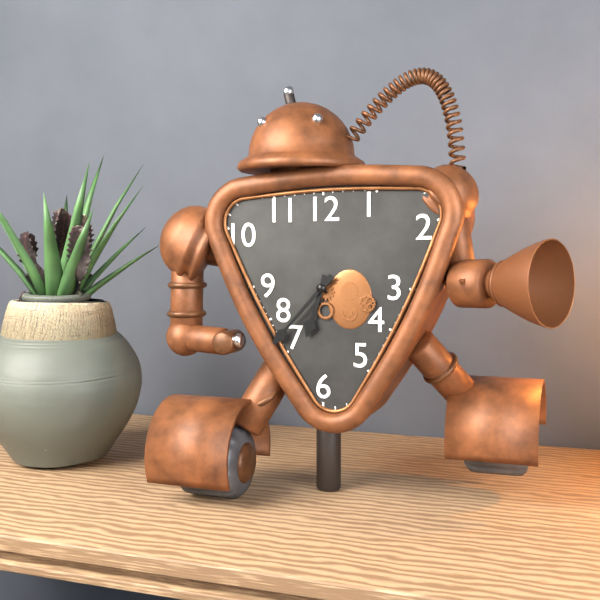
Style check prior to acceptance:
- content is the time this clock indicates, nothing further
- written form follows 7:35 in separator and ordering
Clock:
6:37
